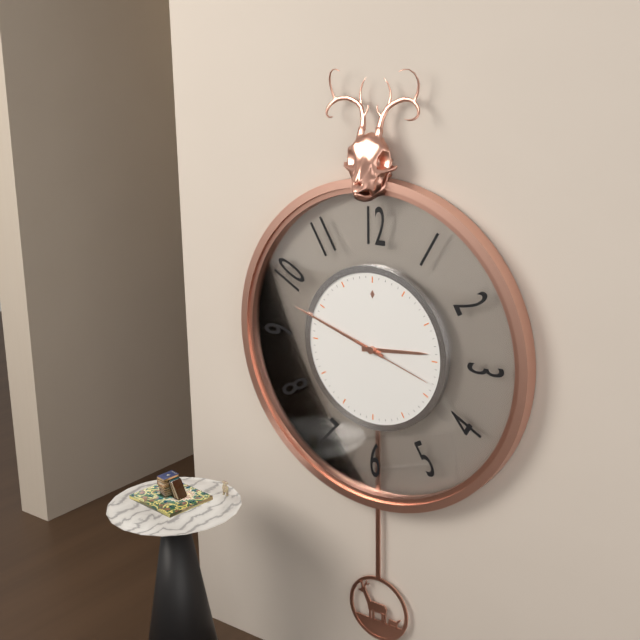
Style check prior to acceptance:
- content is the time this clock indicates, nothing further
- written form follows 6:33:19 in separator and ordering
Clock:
2:48:18
